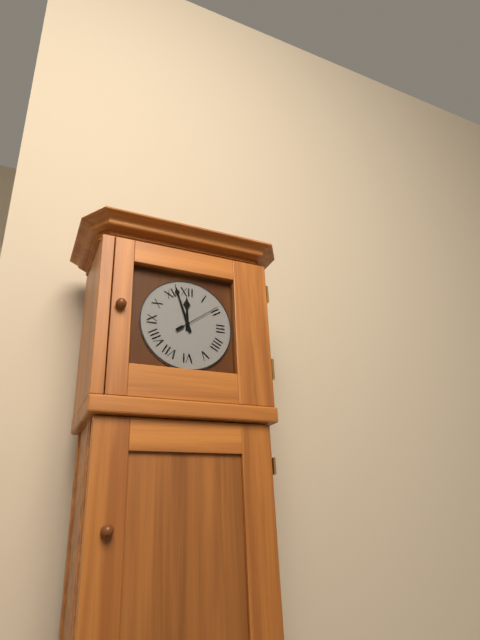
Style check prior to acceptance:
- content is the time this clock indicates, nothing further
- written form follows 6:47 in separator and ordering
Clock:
11:57
